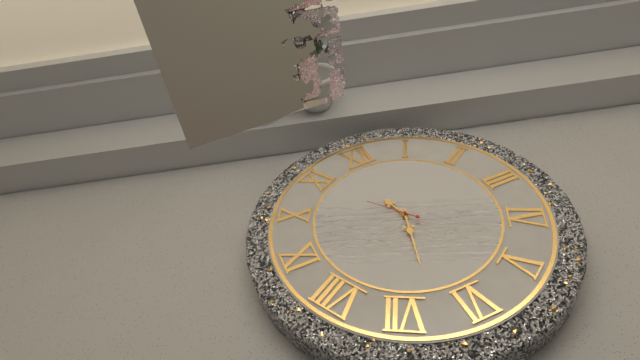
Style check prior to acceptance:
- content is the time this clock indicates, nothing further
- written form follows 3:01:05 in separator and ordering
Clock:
11:33:54
